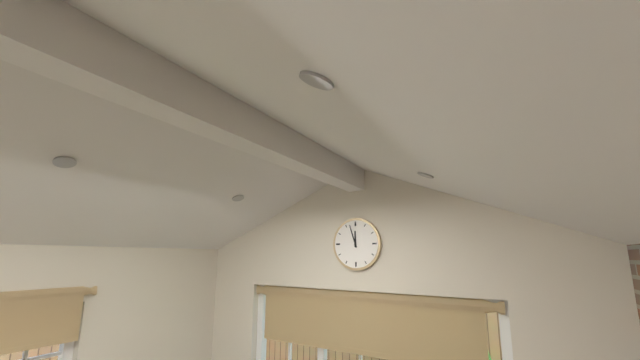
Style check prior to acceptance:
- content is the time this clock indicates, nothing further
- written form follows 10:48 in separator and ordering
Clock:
11:57
